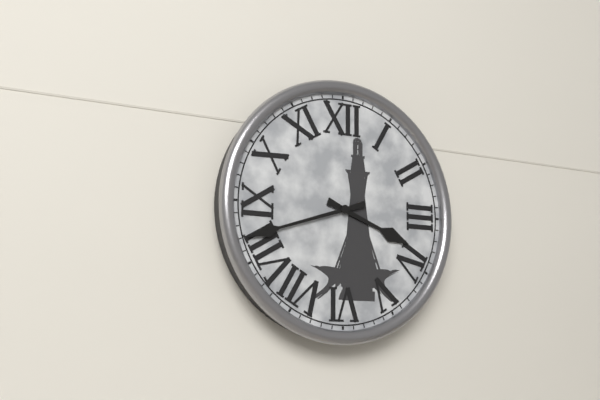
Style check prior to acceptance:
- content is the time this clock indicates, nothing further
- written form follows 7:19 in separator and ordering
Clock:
3:42
